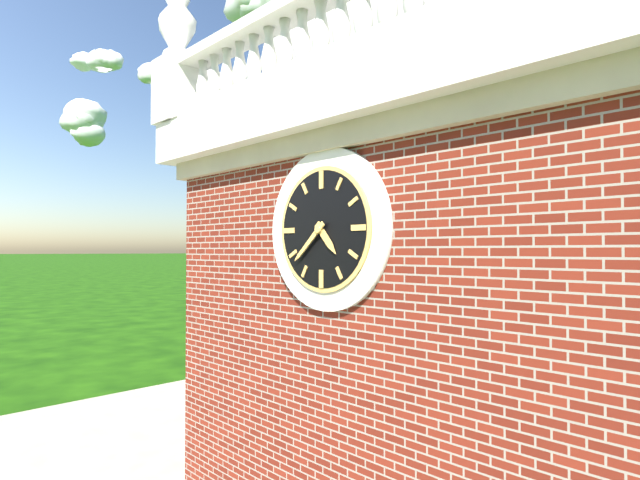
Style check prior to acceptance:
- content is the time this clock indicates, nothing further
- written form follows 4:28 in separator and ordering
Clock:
4:38
